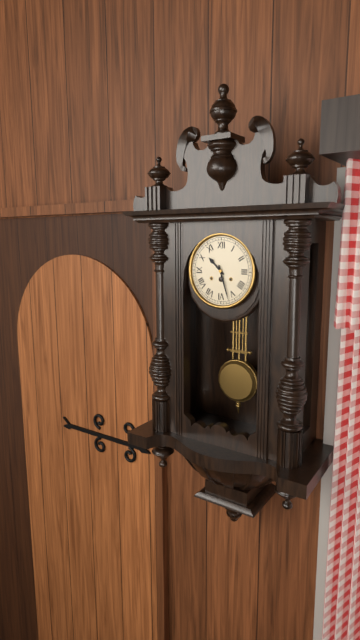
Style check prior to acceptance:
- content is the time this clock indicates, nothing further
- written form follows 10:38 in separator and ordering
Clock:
10:27
